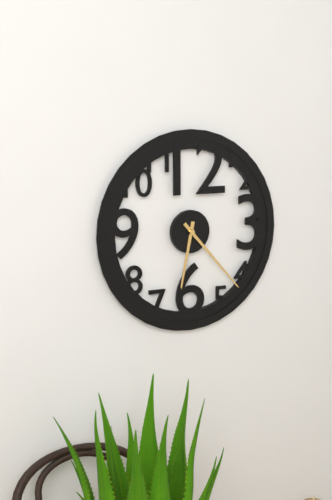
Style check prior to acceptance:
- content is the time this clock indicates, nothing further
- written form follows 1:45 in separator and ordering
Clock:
6:23
